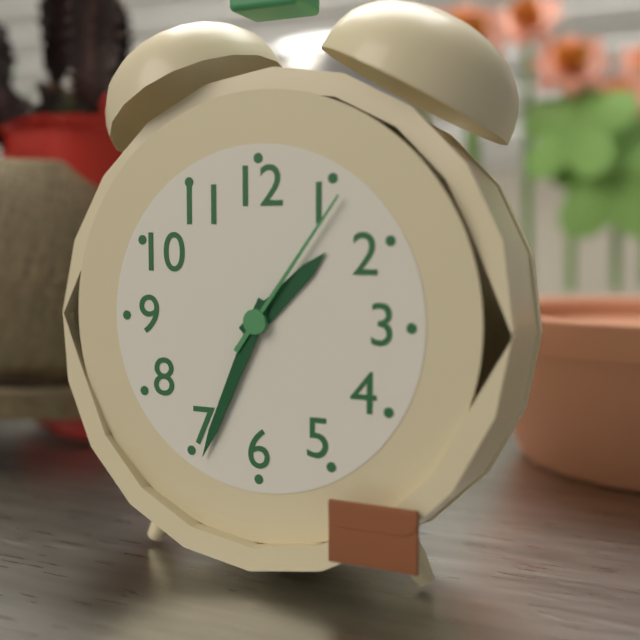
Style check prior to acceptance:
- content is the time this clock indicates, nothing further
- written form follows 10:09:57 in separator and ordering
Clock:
1:34:06
